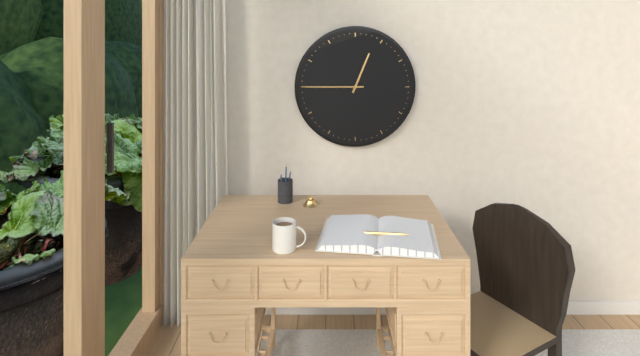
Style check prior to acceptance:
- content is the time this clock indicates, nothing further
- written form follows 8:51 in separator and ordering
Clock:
12:45
